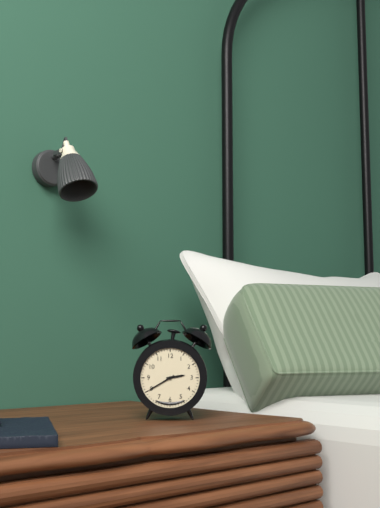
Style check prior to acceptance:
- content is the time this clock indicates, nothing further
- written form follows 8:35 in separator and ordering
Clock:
2:40
